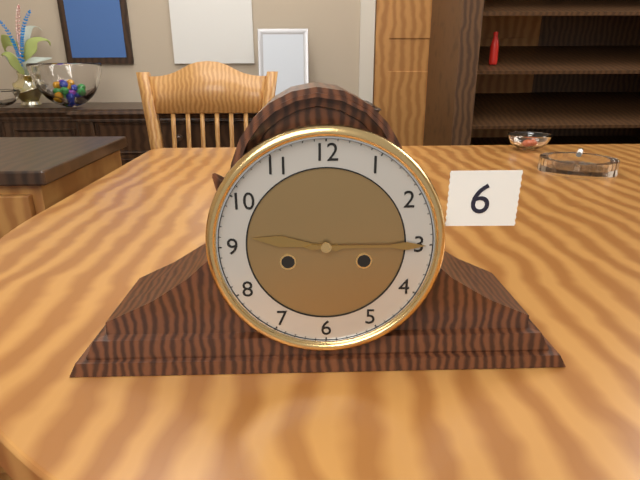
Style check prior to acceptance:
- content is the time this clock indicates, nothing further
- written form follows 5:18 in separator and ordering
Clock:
9:15
